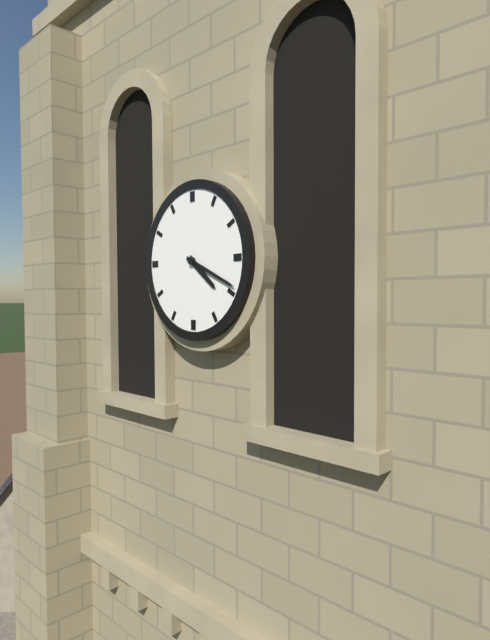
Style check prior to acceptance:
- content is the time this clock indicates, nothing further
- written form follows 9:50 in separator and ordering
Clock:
4:19
